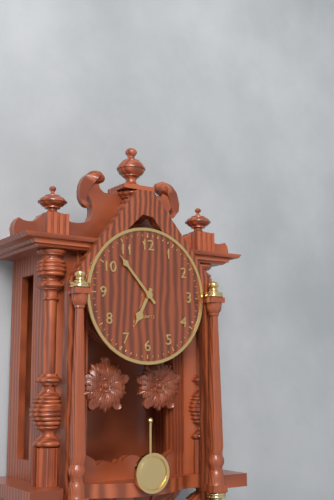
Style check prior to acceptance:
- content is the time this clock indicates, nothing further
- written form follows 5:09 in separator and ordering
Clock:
6:53
